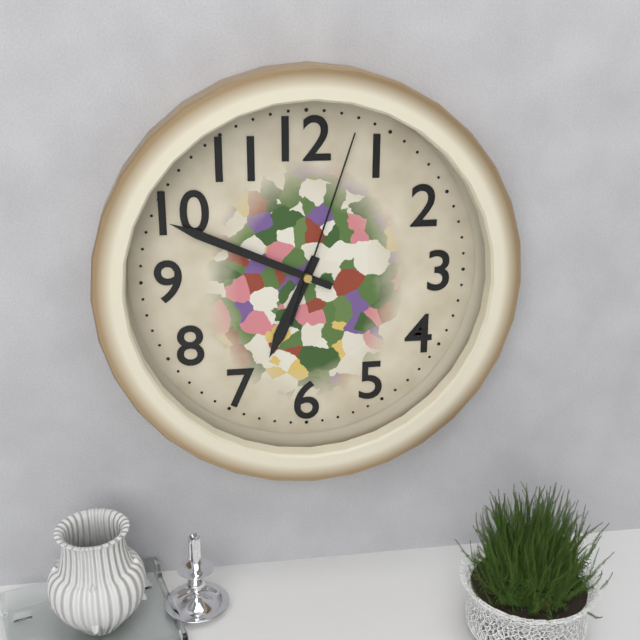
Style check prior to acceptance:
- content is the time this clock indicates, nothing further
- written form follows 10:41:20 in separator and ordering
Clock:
6:49:03
